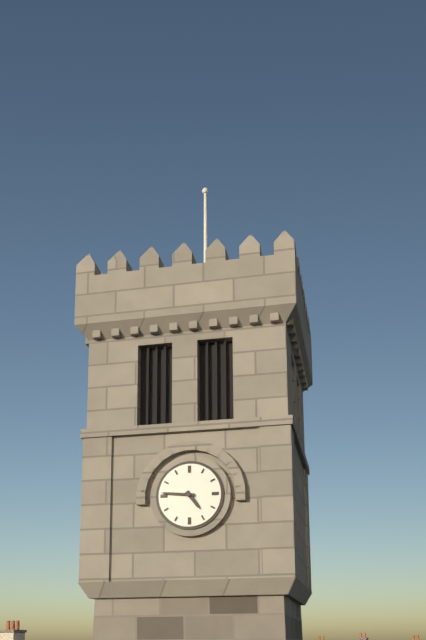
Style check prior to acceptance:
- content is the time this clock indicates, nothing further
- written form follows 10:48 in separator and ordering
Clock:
4:46
